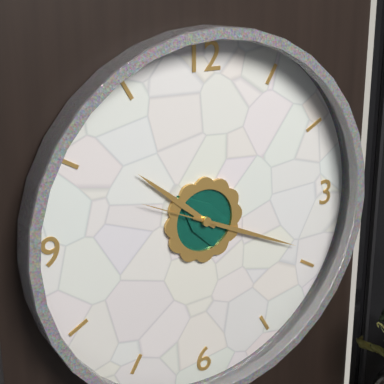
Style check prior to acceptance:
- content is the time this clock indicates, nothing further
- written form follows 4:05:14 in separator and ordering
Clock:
10:19:49
